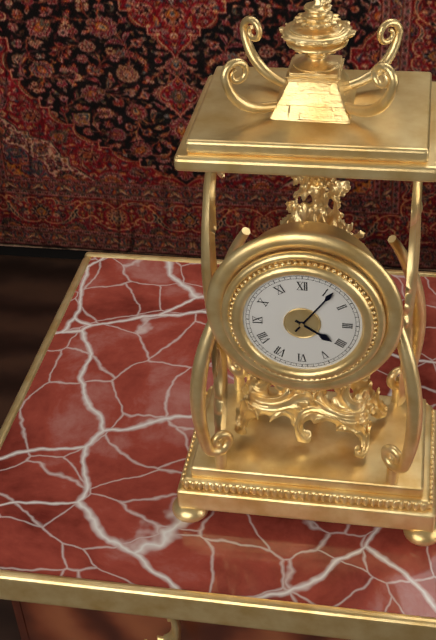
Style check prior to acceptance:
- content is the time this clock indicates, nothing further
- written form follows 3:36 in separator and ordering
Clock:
4:06
